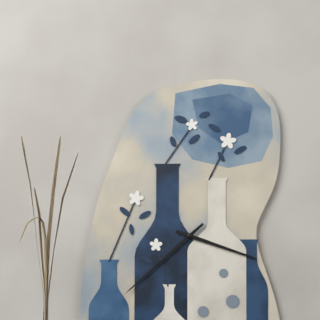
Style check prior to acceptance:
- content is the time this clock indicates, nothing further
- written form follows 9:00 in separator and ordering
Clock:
3:38
